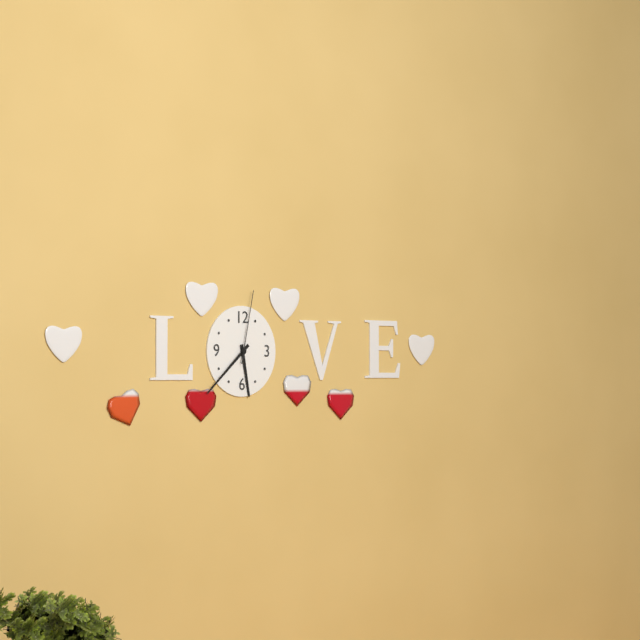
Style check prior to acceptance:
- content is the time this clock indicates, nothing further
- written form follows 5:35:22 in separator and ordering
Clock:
5:38:02
